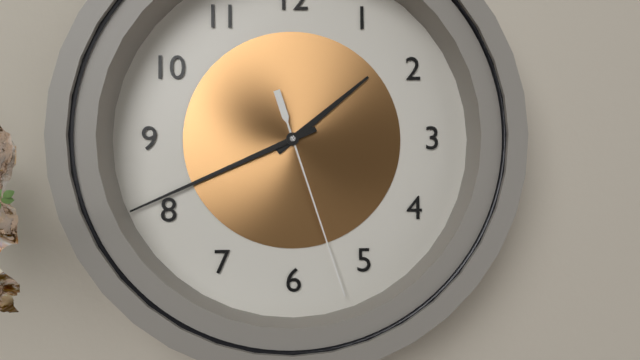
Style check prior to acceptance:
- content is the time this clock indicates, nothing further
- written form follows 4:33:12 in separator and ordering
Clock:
1:41:27
